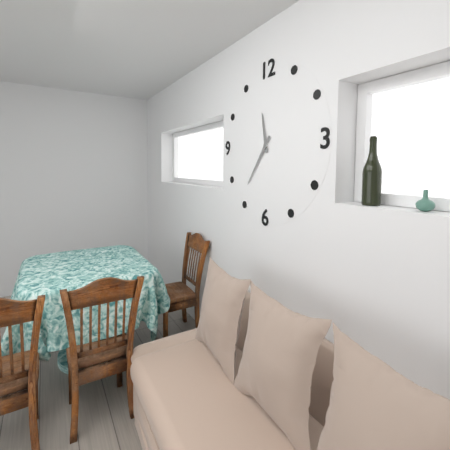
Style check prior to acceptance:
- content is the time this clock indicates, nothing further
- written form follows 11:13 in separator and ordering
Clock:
11:36
